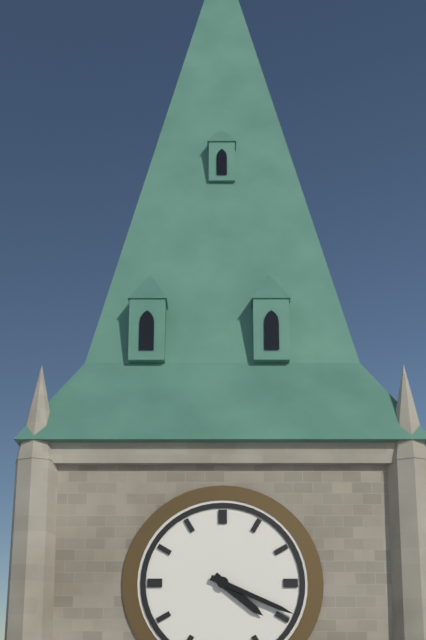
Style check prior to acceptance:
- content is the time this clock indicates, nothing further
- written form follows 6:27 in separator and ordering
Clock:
4:19
